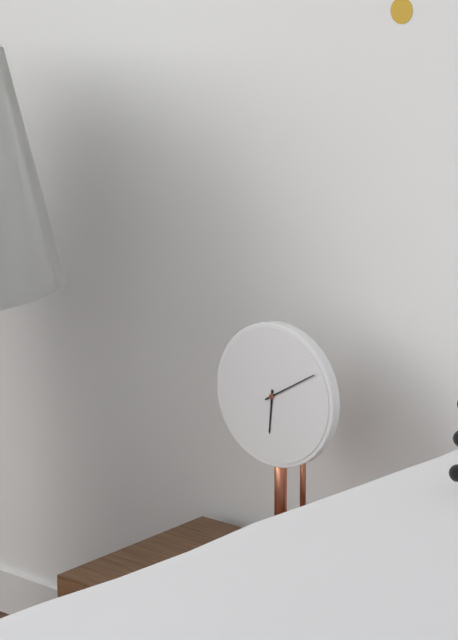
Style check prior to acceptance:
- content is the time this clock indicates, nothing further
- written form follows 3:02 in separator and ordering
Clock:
6:10
